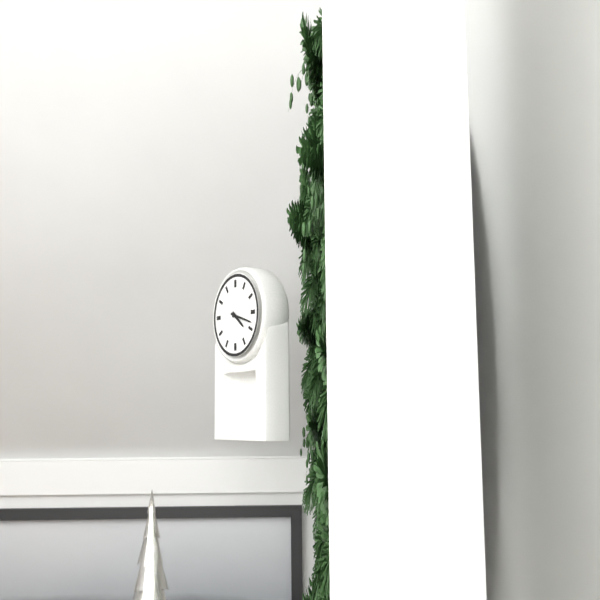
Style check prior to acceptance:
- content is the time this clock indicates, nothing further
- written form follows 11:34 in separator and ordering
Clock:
4:18
